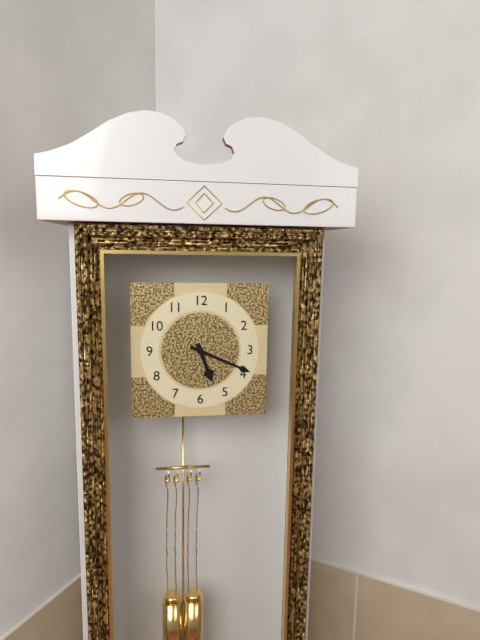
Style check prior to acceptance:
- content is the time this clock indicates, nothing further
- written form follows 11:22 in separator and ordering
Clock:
5:19
